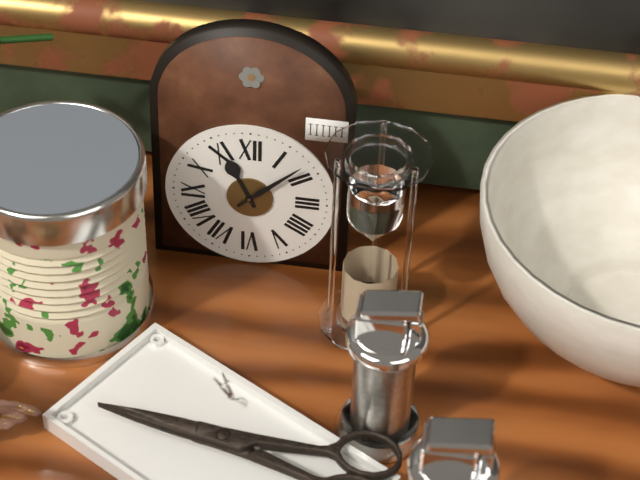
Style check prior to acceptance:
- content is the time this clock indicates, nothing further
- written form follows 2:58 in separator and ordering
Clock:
11:08
